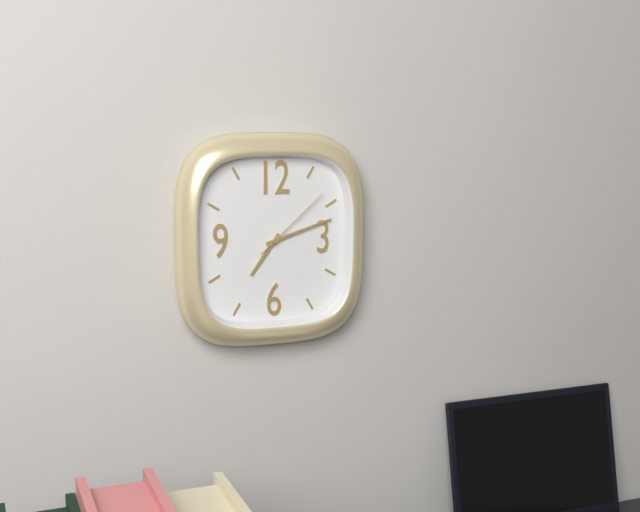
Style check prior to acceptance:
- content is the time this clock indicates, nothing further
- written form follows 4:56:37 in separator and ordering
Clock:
7:12:08
